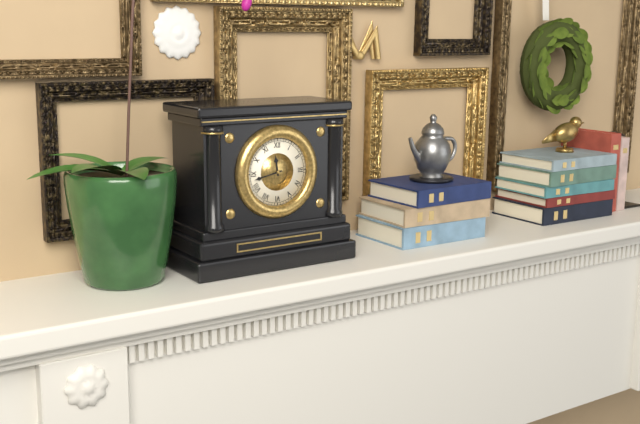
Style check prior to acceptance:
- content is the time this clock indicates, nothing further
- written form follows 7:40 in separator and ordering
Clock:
11:43
